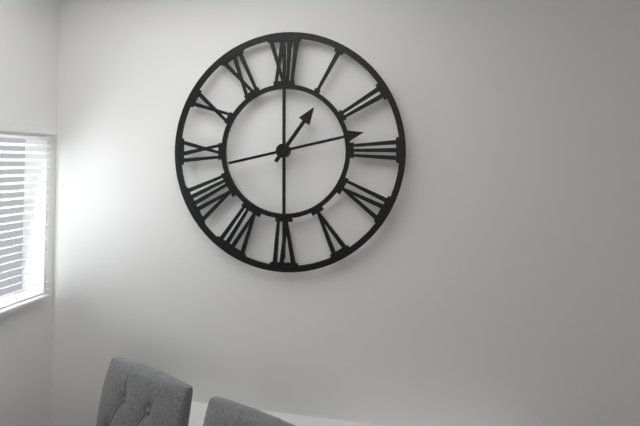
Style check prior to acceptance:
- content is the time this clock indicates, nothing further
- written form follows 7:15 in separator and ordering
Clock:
1:13
